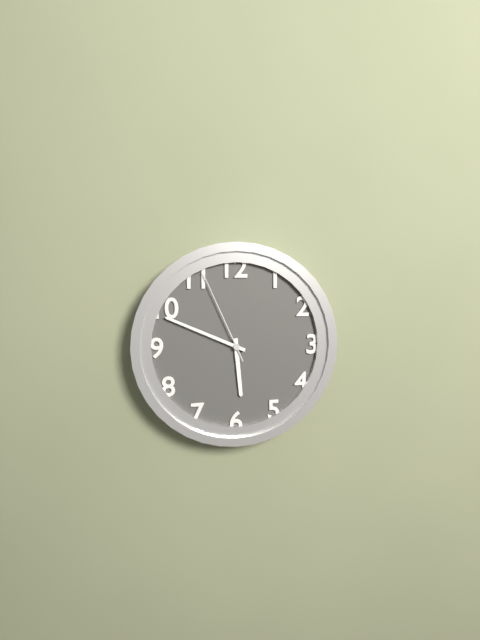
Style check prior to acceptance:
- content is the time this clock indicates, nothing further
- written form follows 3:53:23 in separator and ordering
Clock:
5:49:56
